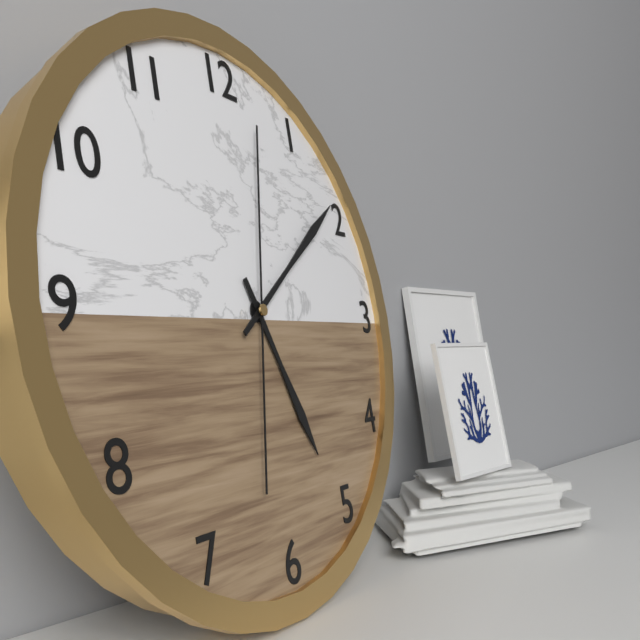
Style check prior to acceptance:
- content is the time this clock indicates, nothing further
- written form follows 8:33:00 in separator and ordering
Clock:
5:09:02
